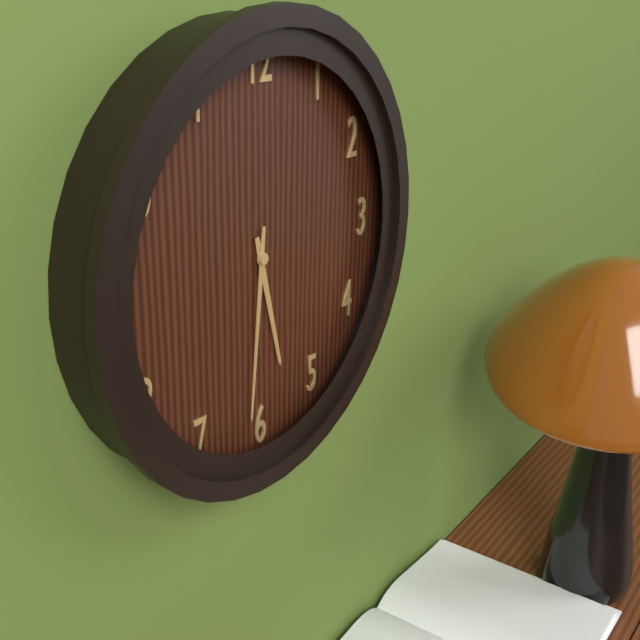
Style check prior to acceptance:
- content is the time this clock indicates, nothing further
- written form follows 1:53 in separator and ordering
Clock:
5:31
